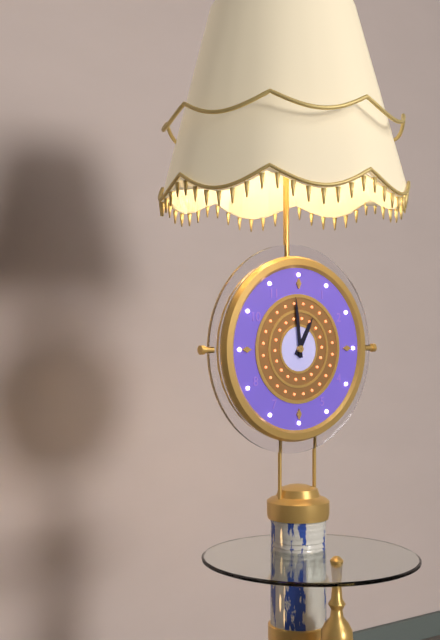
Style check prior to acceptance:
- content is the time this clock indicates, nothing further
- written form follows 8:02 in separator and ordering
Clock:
12:59
